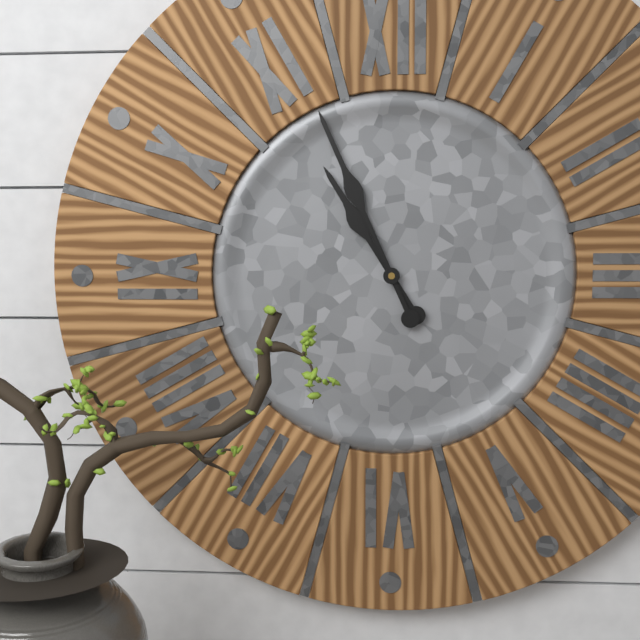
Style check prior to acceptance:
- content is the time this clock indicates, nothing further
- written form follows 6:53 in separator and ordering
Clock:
10:56
